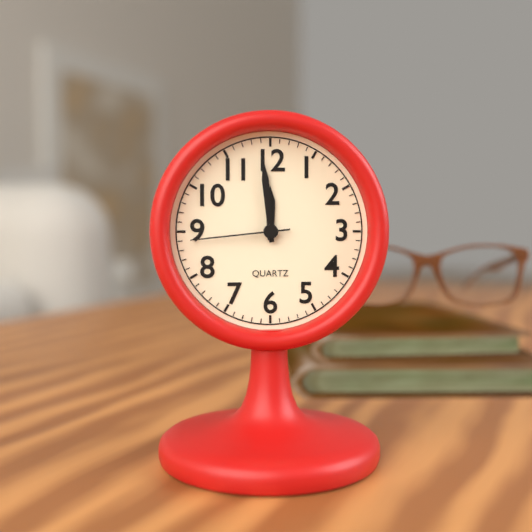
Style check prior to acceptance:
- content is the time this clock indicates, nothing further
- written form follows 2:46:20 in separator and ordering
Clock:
11:59:44
